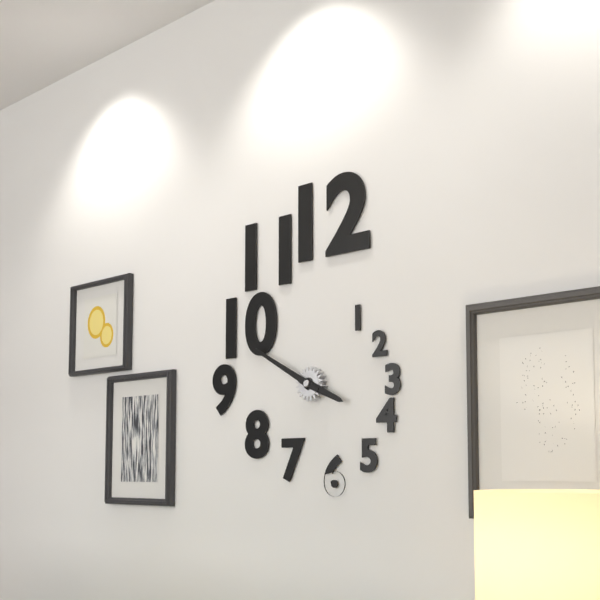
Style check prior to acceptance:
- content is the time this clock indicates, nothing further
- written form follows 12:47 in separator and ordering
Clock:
3:50
